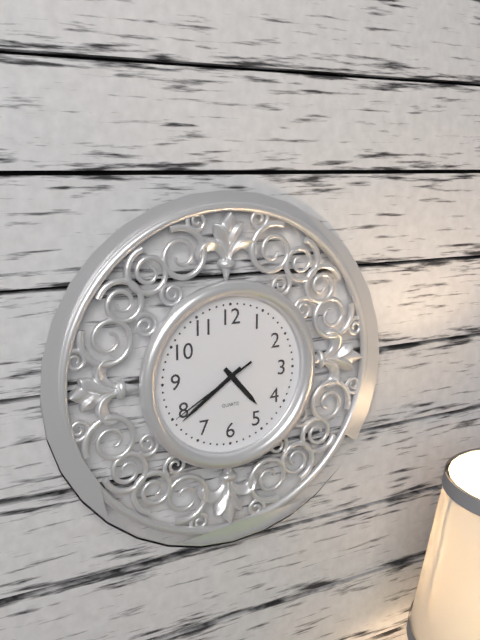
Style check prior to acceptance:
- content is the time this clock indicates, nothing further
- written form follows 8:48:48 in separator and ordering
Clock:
4:39:40
